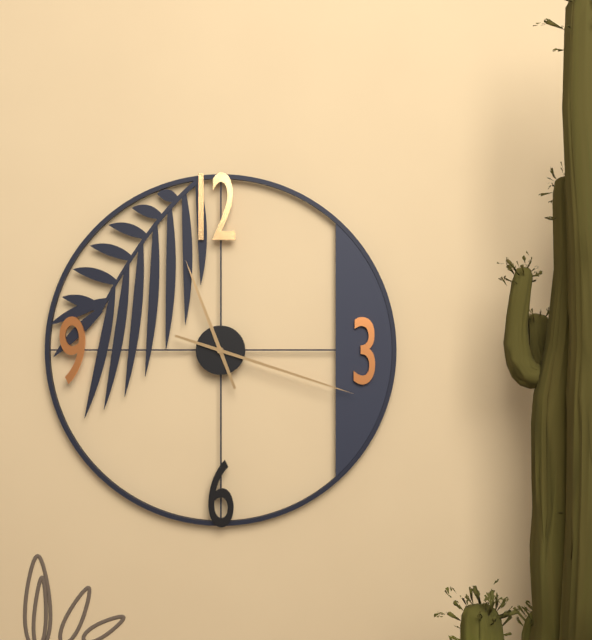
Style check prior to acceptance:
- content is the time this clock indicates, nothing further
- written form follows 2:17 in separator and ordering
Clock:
11:18
